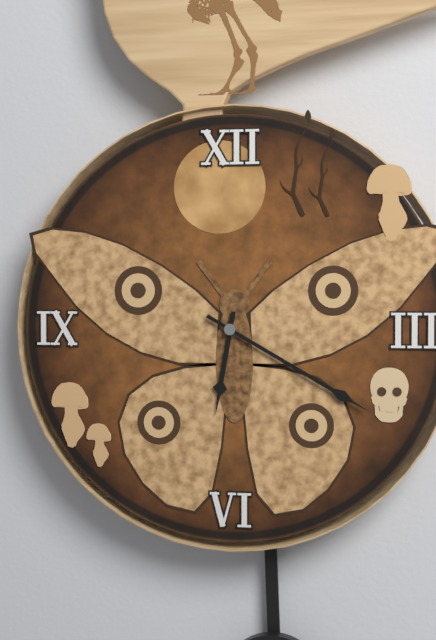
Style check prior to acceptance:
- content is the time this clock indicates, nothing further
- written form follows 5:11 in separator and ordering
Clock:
6:20
